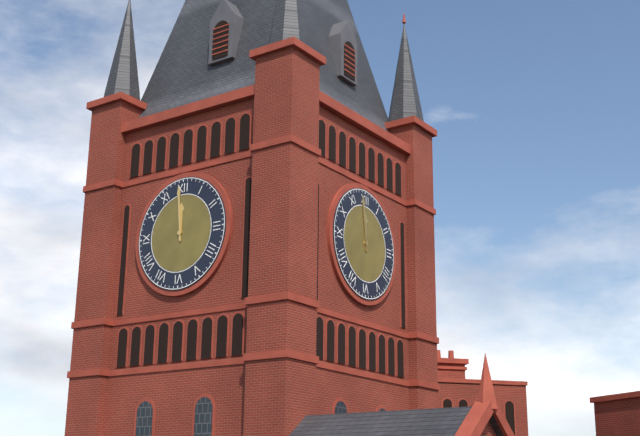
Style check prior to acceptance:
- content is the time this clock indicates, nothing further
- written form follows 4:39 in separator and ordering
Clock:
11:59
